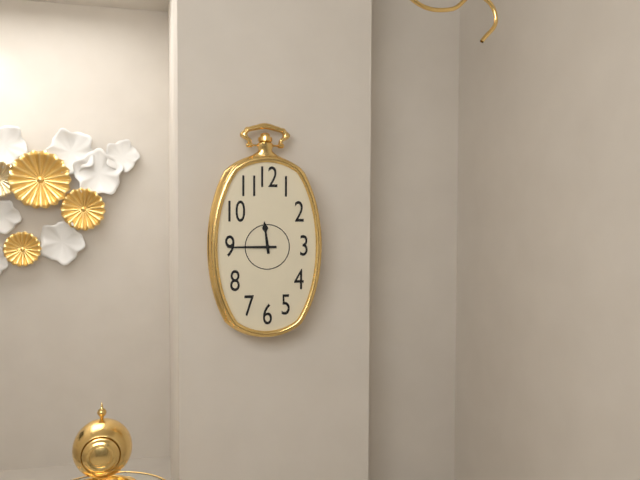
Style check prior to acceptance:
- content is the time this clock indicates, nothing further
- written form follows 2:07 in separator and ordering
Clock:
11:45
